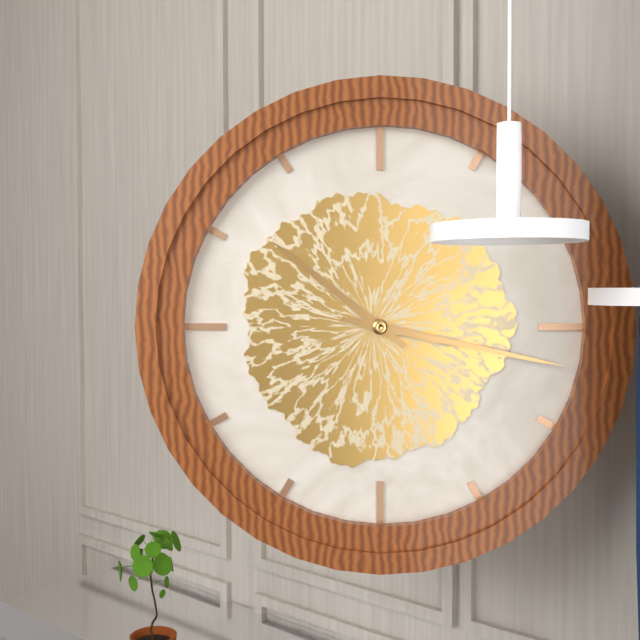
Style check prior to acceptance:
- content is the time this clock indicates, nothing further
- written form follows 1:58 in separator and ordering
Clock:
10:17
